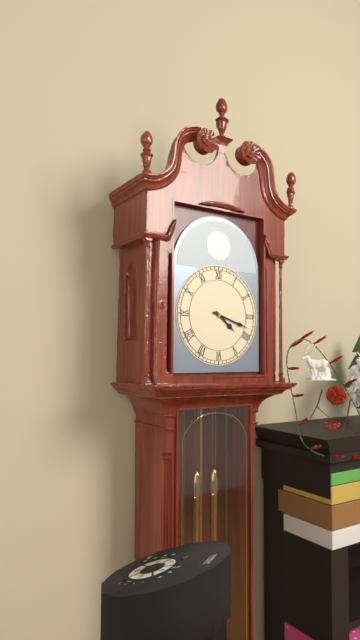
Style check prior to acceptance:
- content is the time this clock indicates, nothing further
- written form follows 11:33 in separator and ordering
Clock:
4:18
